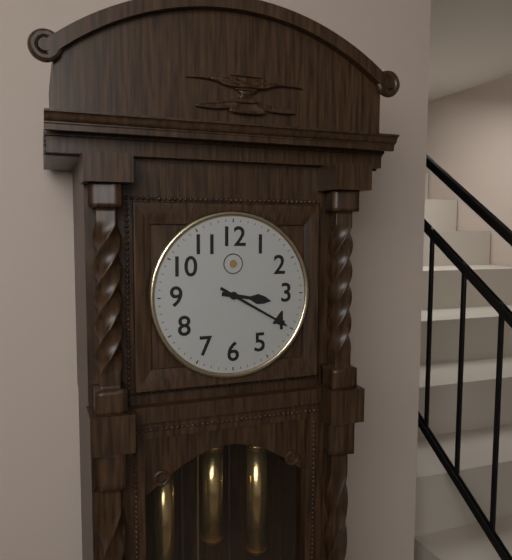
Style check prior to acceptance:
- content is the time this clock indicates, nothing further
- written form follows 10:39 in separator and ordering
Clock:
3:20
